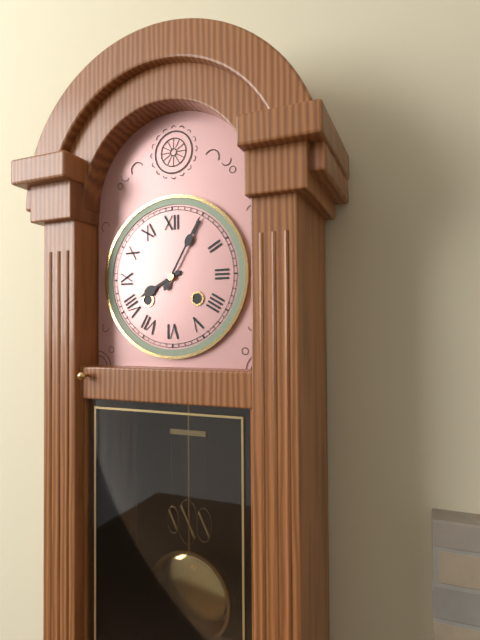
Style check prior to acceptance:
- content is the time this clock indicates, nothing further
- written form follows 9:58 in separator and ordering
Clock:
8:05
